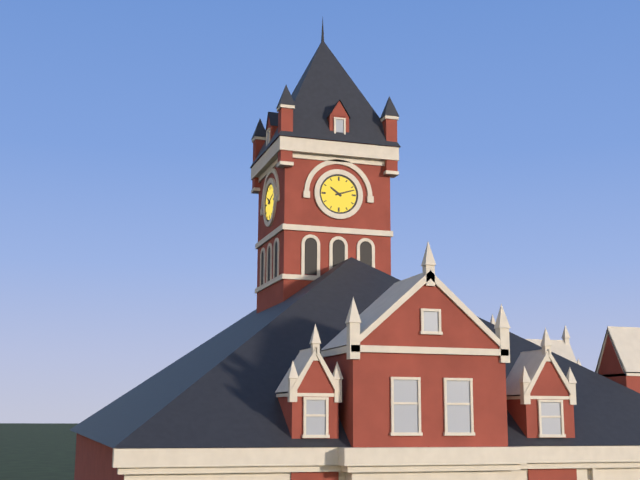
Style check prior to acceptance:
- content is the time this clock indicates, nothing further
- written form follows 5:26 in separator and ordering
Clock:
10:12
